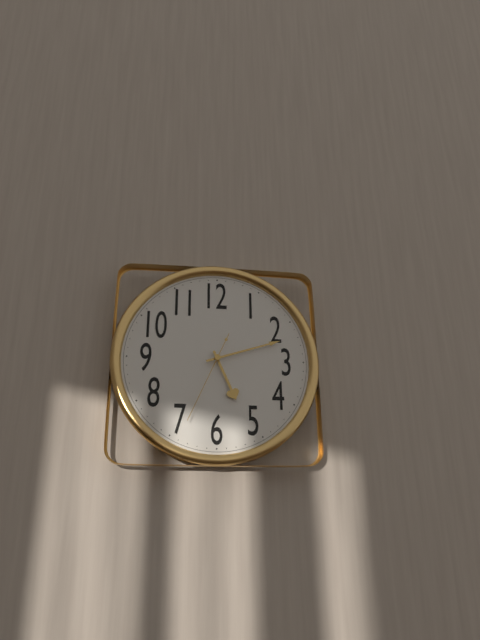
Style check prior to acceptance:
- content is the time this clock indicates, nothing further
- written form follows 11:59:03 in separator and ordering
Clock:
5:12:34
